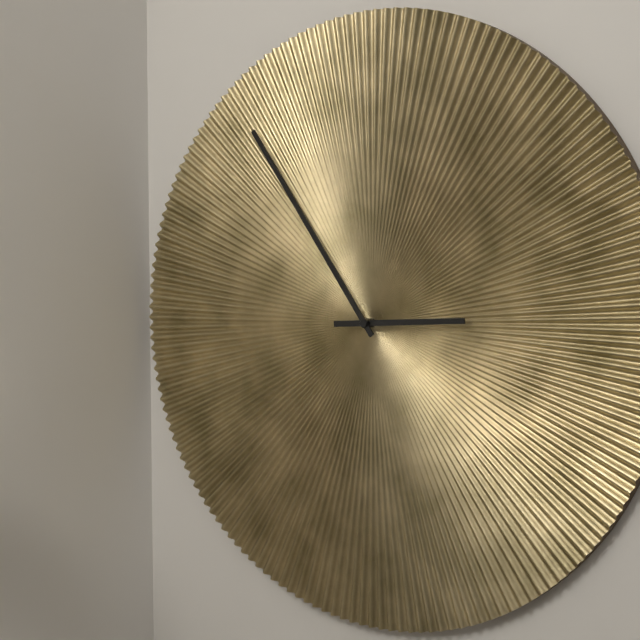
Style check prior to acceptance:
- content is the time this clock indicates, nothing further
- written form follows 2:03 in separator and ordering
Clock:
2:54
